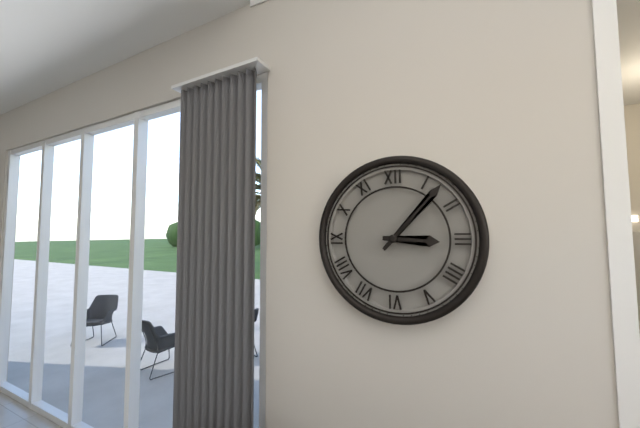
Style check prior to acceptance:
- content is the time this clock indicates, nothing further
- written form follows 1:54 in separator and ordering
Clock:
3:07
